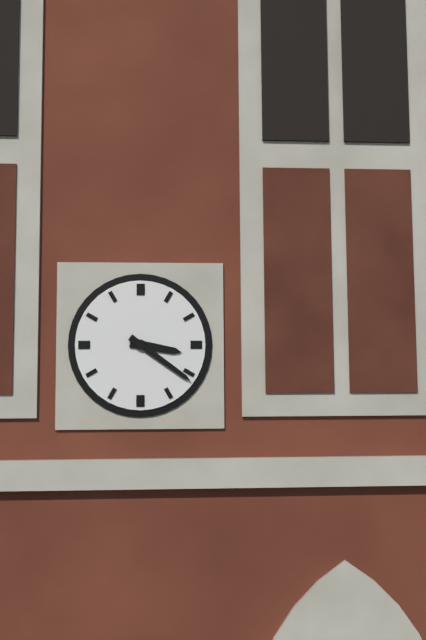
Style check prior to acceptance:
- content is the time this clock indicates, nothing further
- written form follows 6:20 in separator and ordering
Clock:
3:21
